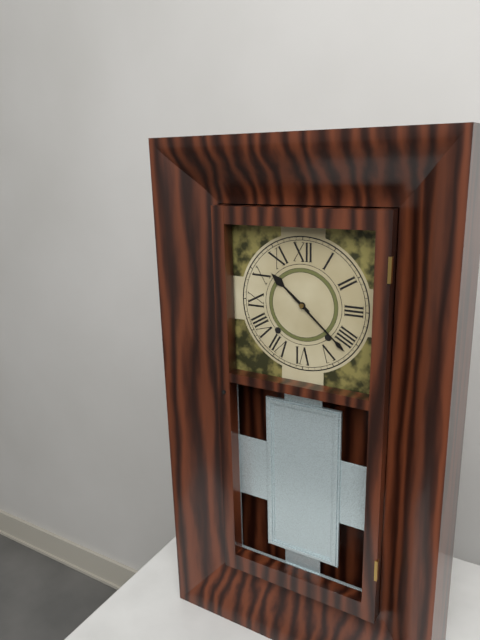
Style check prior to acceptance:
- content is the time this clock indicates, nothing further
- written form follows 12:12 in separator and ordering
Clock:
10:22
